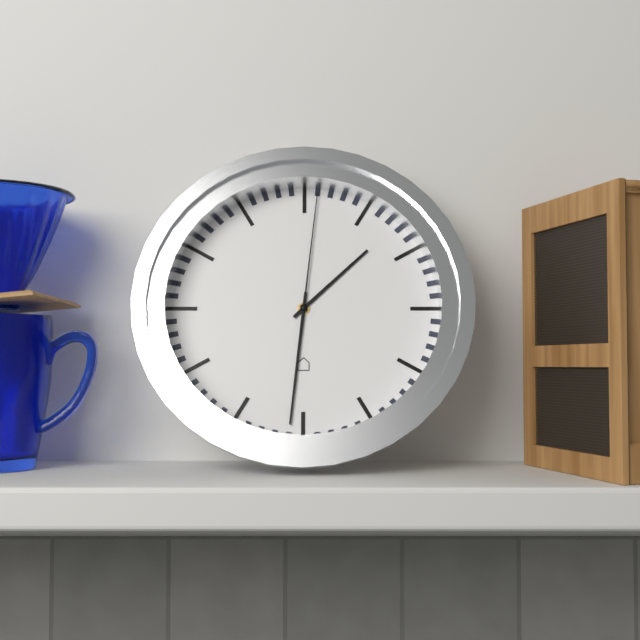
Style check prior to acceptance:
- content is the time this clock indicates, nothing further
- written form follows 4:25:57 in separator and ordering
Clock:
1:31:01
